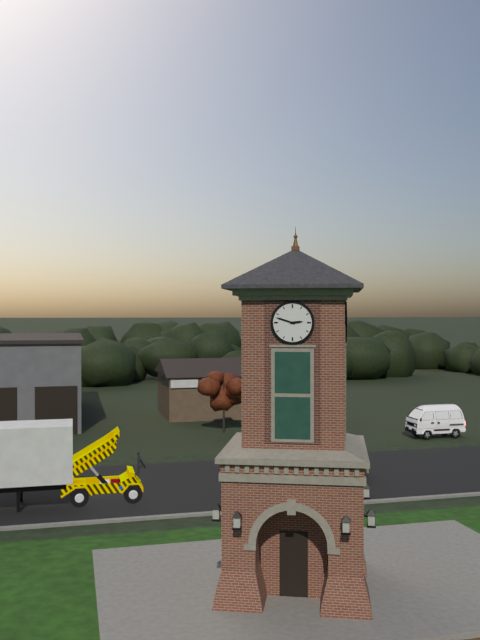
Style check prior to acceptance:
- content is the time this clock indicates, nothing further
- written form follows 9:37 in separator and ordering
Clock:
2:48
